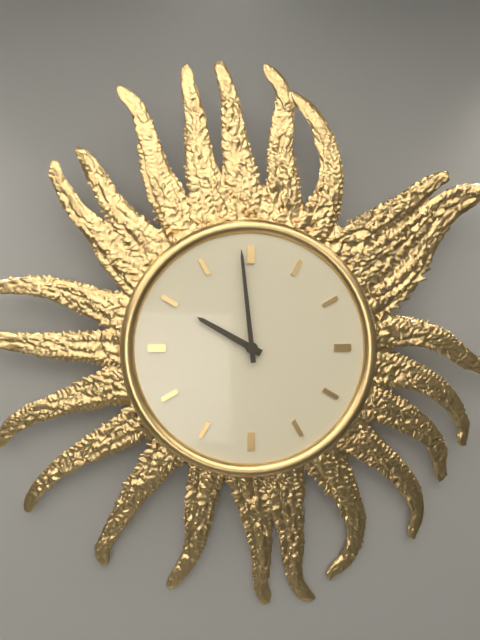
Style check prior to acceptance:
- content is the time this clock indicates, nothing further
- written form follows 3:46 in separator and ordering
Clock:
9:59
